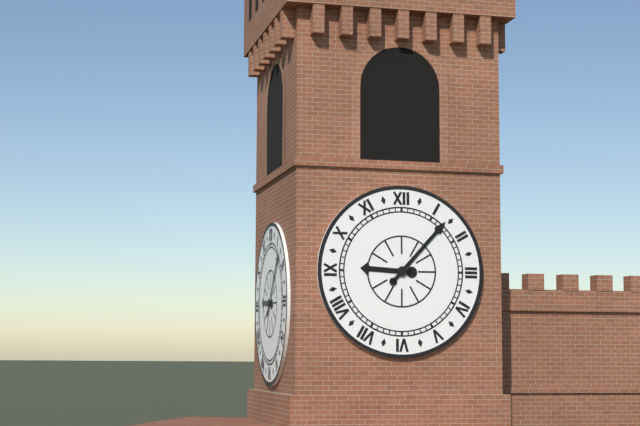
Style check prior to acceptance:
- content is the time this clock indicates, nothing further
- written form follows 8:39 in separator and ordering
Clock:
9:07
